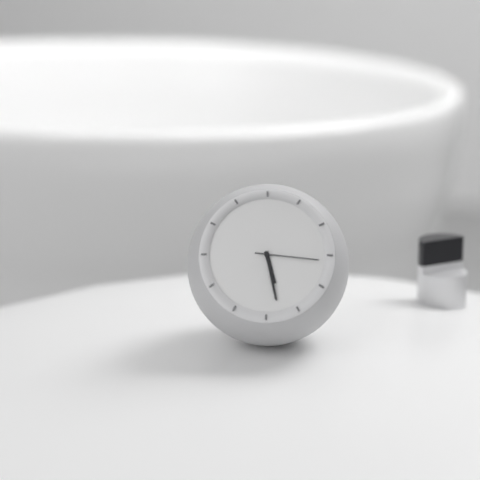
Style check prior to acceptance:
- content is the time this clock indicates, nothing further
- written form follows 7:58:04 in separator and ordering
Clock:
5:28:16
